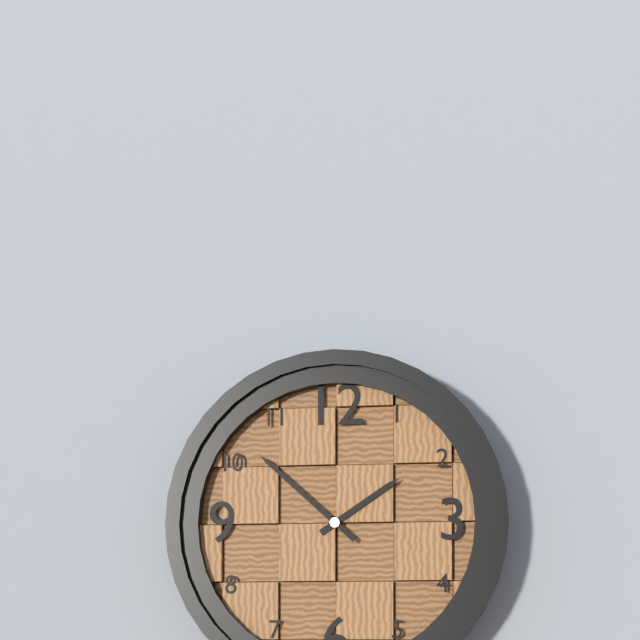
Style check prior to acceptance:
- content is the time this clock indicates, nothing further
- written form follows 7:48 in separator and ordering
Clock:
1:52
